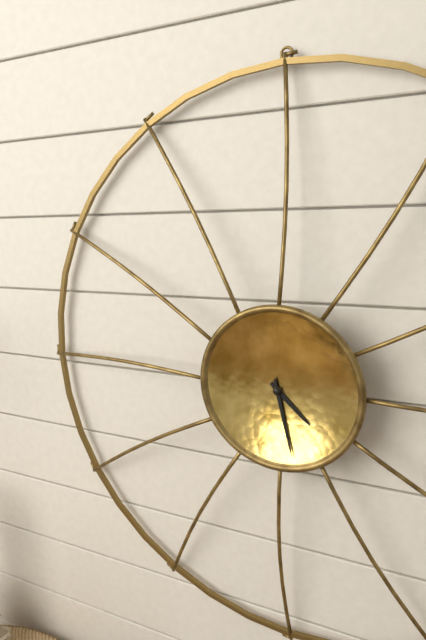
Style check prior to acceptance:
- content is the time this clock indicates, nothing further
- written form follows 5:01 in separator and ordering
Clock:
4:28
